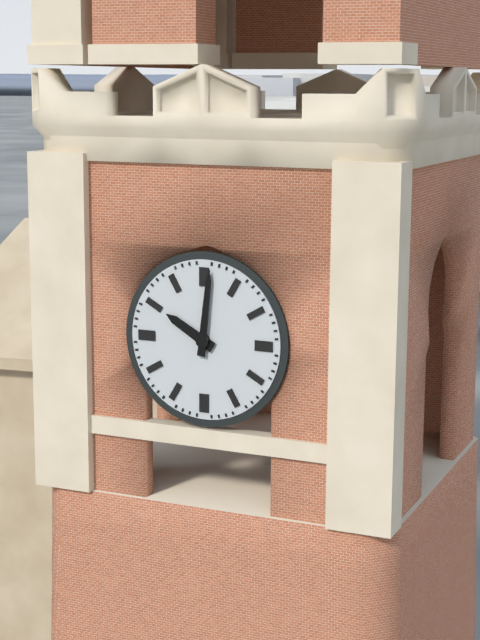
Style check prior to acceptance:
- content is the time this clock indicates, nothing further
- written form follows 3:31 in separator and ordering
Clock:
10:01
